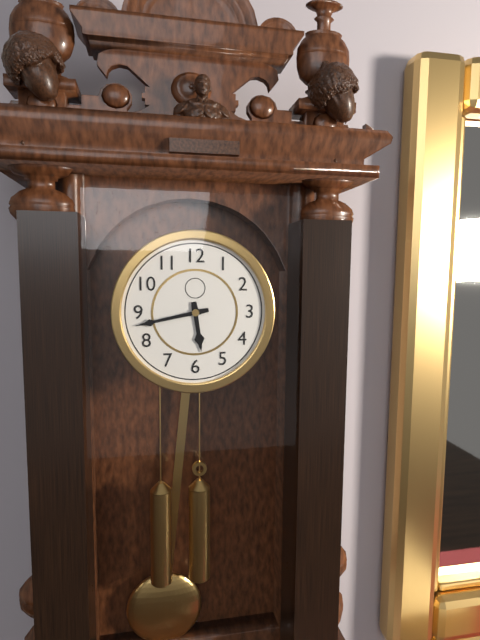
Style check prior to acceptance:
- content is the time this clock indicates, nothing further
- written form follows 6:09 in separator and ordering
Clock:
5:43
